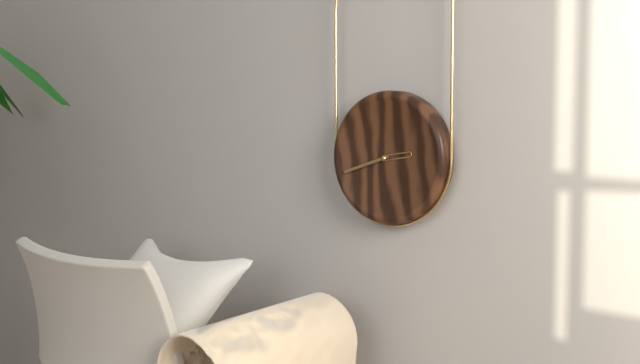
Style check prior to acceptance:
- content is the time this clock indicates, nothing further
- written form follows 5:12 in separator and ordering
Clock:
2:42
